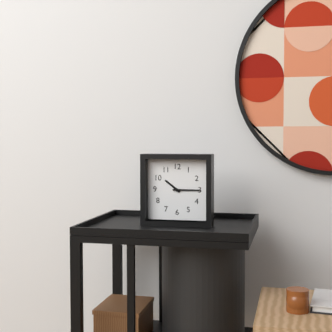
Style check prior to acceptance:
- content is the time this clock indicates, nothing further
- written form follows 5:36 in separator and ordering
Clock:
10:15
